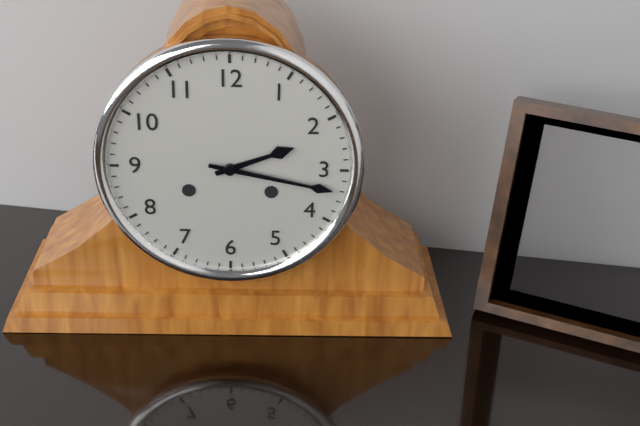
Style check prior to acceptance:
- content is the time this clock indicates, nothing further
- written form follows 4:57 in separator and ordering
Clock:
2:17
